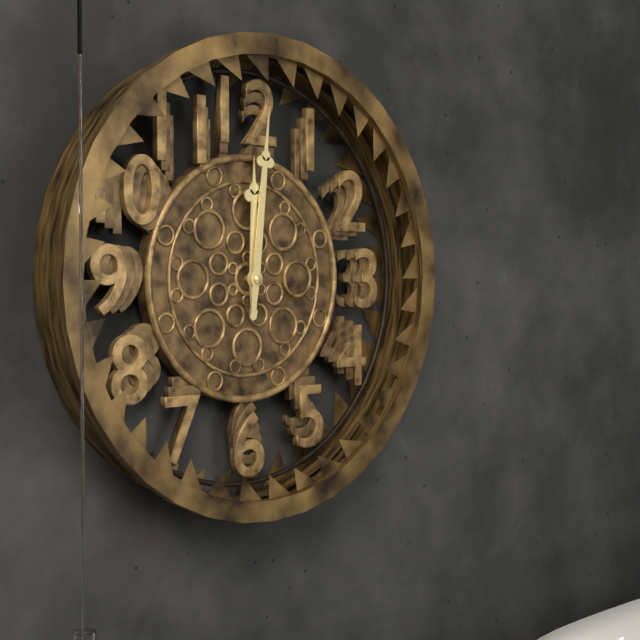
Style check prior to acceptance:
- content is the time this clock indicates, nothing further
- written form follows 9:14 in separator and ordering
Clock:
12:01
